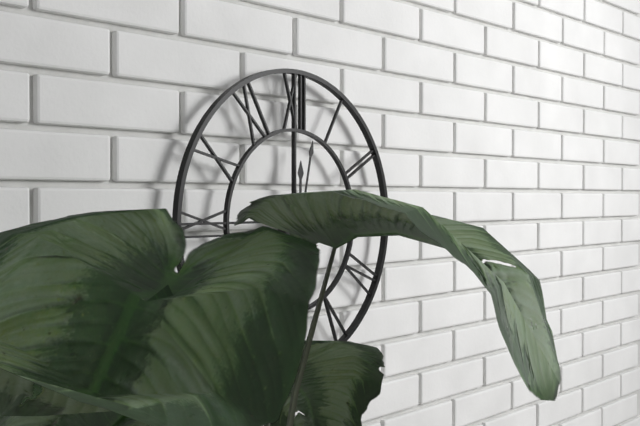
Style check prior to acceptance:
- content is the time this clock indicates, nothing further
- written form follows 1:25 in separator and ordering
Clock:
12:02
